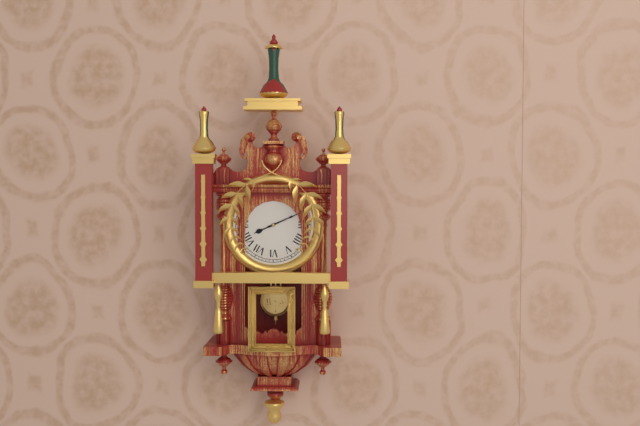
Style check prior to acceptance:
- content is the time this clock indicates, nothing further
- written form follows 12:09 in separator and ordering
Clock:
8:11
